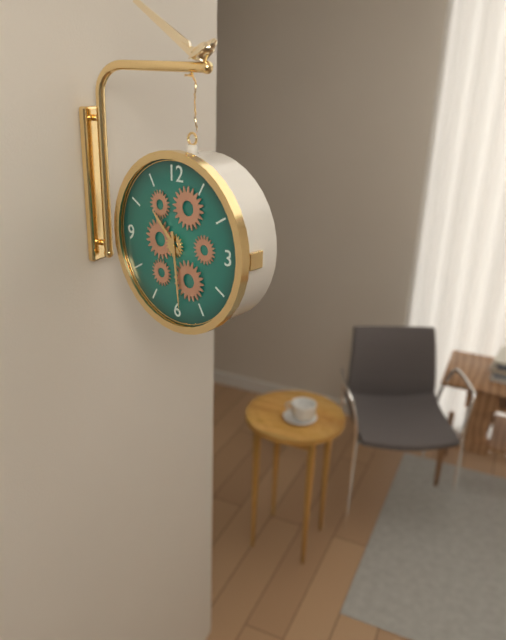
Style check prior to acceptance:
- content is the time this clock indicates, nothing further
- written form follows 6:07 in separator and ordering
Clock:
10:29
